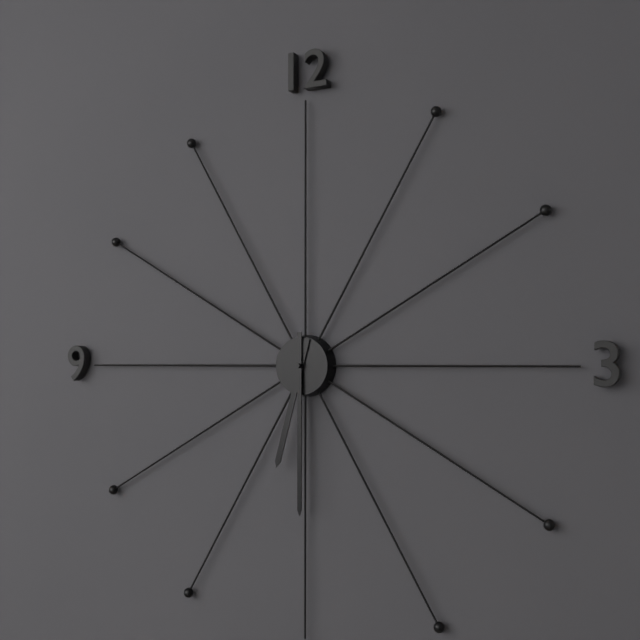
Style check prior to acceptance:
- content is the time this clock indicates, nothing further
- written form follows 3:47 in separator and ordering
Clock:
6:30
